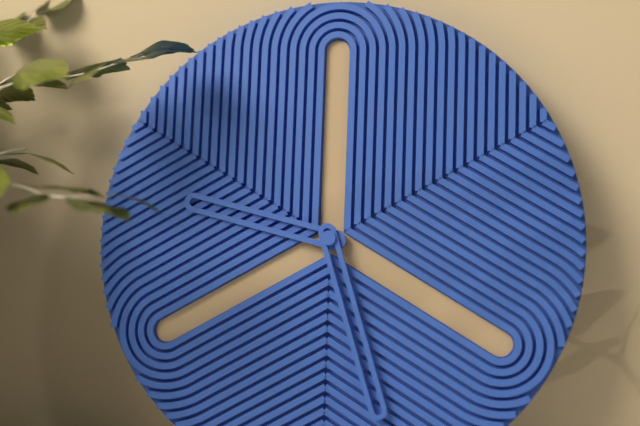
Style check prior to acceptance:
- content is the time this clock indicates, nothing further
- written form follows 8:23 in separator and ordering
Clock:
9:27
